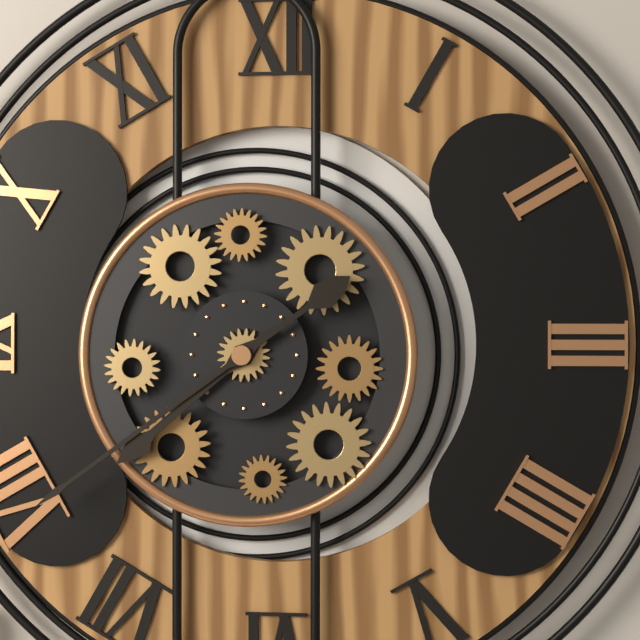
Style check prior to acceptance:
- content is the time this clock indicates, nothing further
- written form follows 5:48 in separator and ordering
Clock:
7:39
